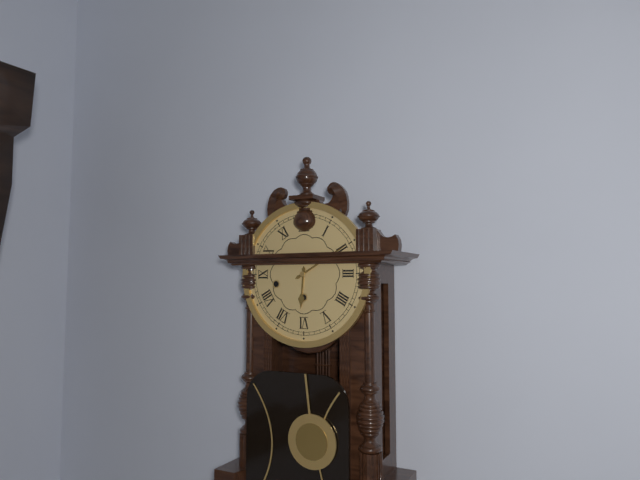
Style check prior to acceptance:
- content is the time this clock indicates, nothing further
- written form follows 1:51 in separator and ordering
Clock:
6:10
